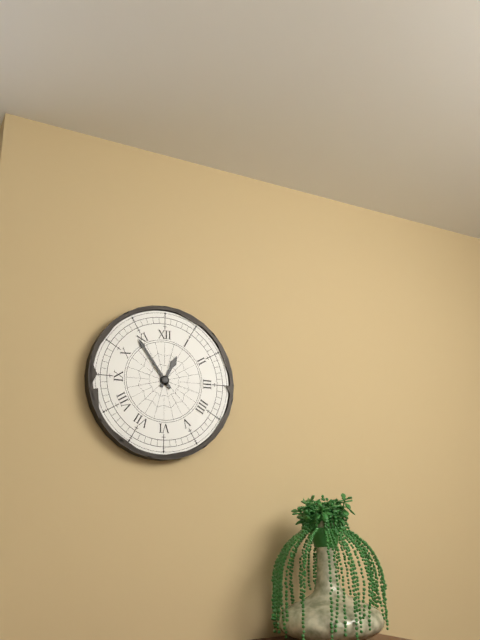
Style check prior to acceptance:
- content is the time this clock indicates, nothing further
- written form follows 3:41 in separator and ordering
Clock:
12:54
